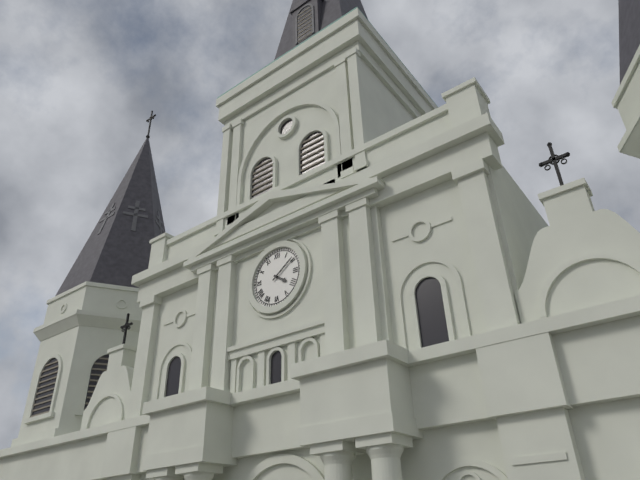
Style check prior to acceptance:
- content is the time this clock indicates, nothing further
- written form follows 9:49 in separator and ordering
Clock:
4:09
